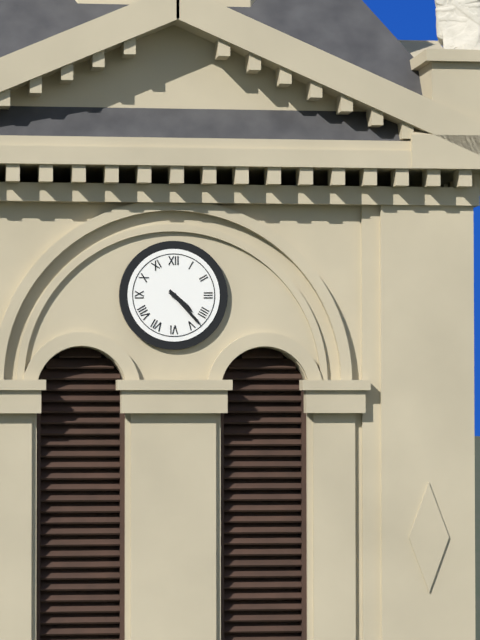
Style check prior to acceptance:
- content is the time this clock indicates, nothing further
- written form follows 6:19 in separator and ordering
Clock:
4:23
